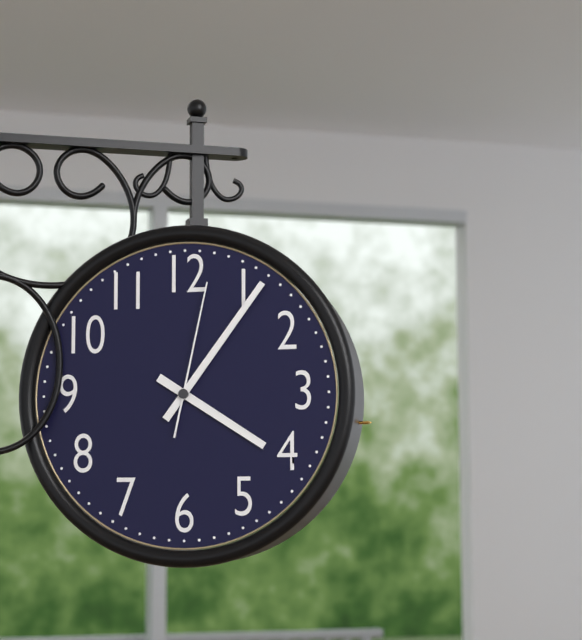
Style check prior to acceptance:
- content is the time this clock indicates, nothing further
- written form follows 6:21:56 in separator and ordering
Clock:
4:06:02
